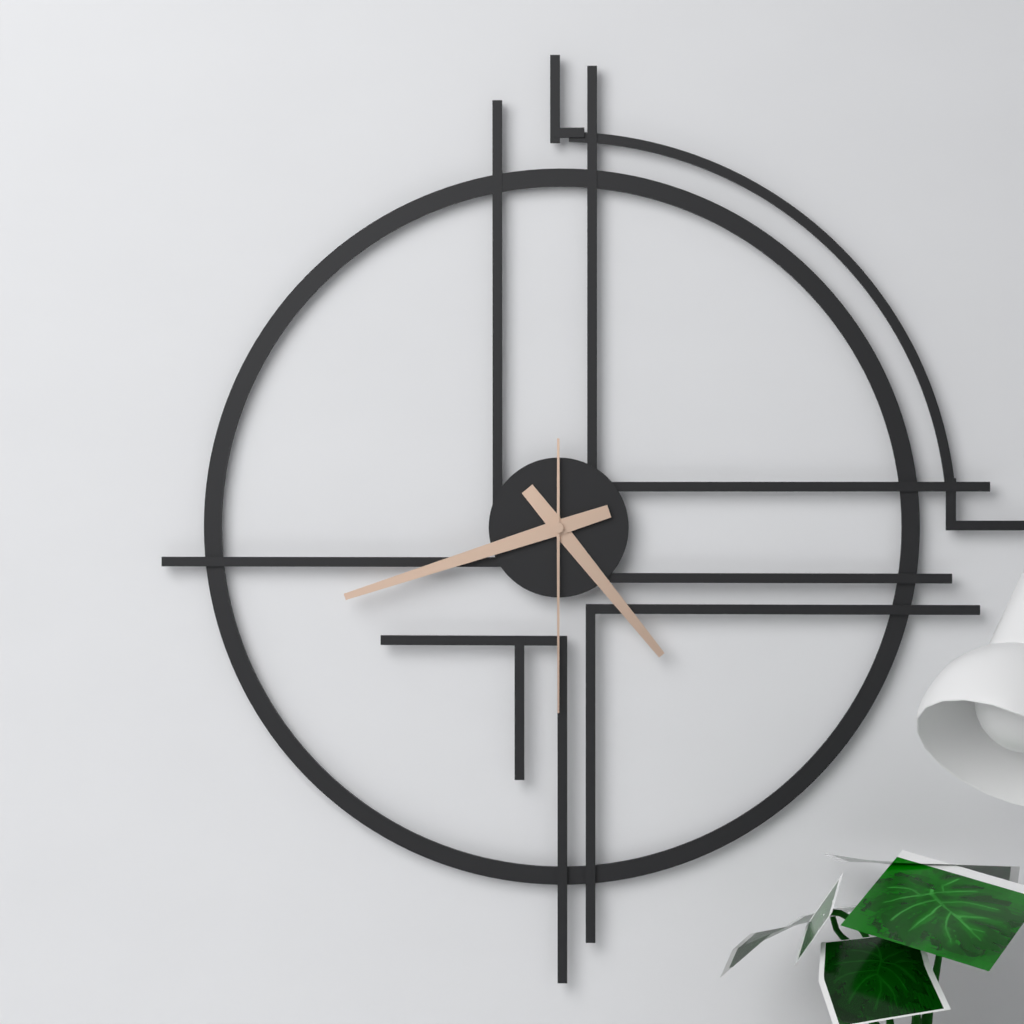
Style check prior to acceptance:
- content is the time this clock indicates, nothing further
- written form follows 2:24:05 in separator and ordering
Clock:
4:42:30
